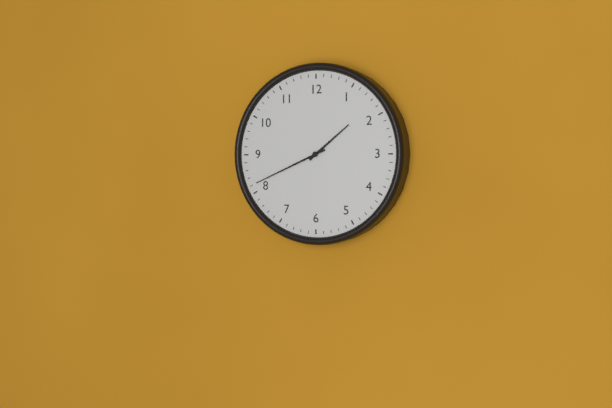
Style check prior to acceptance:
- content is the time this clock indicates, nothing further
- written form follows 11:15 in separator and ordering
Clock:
1:41
